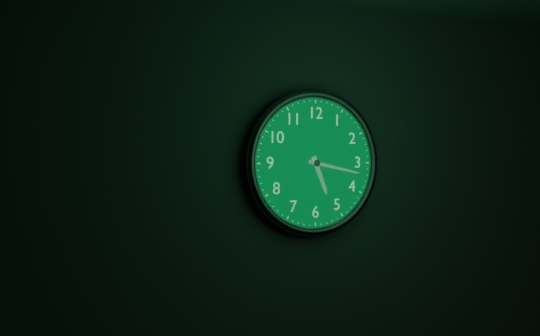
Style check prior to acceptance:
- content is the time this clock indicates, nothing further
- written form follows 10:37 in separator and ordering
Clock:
5:17
